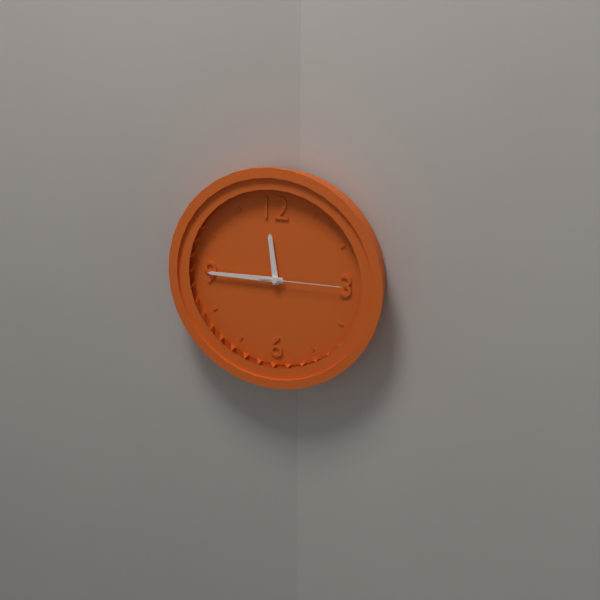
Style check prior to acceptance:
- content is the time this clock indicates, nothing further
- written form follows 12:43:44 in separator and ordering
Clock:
11:45:15
